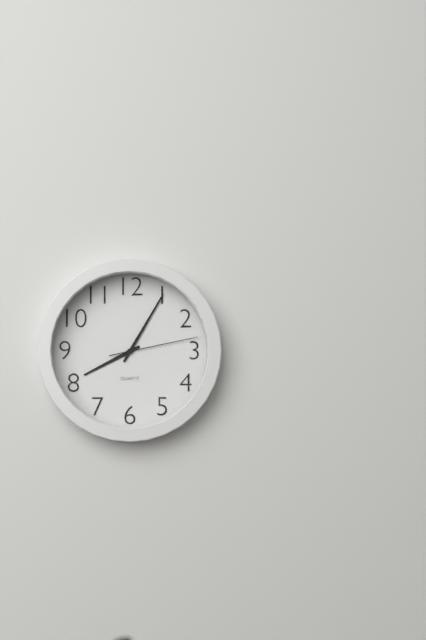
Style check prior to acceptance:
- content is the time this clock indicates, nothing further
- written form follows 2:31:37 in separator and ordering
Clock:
8:05:13
